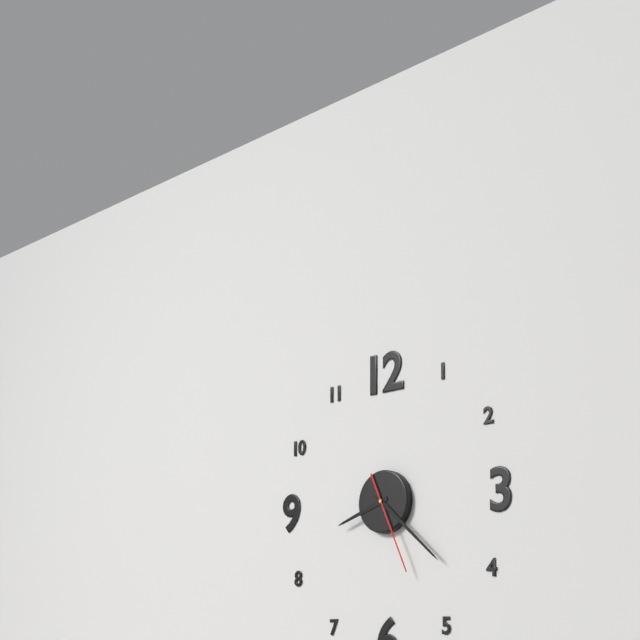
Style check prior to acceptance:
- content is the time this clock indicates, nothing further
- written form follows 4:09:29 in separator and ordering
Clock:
8:22:26
